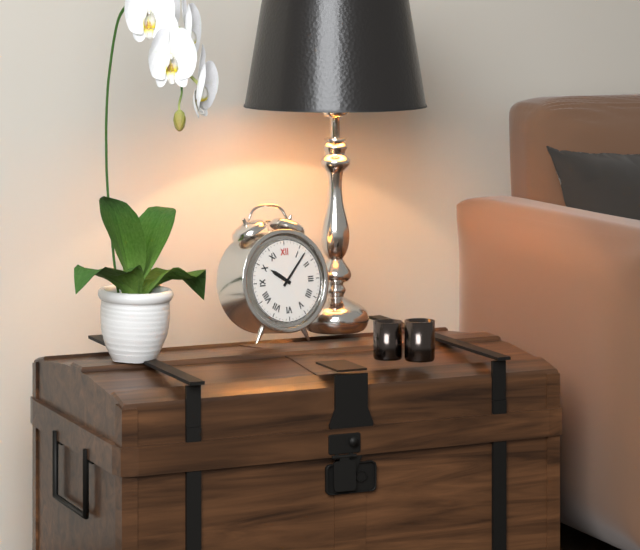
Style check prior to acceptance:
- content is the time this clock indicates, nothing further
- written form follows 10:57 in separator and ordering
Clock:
10:07
